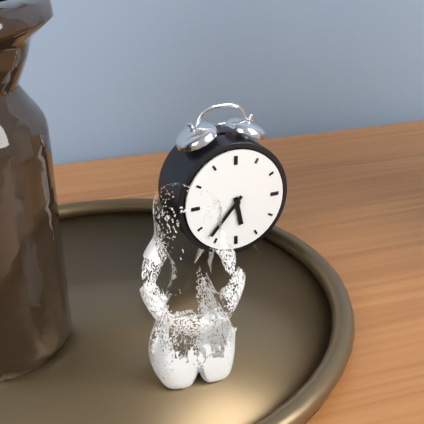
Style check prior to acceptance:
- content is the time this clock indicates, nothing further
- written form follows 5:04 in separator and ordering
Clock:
5:37
